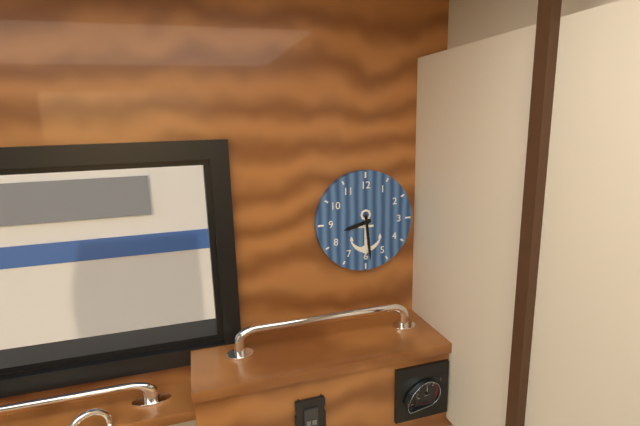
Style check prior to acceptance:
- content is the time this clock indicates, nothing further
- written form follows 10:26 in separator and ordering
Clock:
8:29
